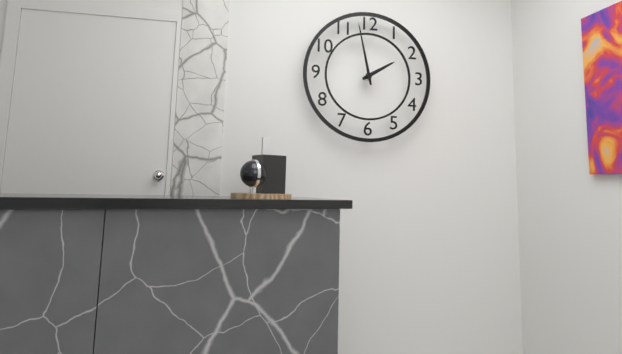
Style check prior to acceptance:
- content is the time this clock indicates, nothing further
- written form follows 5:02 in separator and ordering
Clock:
1:58
